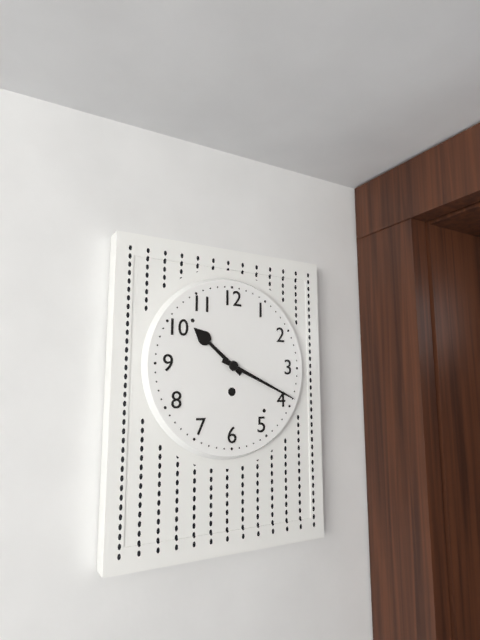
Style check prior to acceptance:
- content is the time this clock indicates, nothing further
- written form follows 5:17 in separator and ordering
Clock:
10:19
